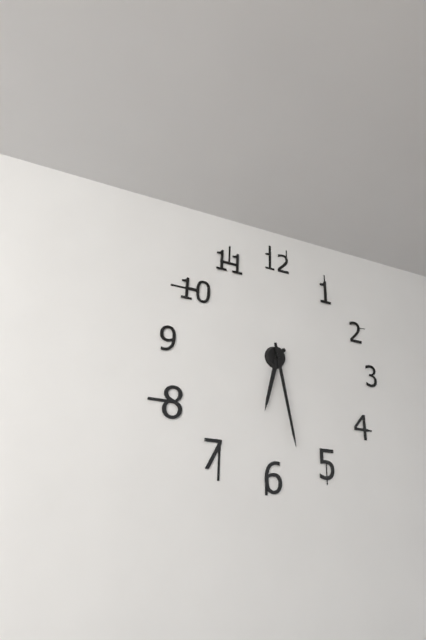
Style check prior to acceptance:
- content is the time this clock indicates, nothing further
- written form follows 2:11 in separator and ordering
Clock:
6:28
